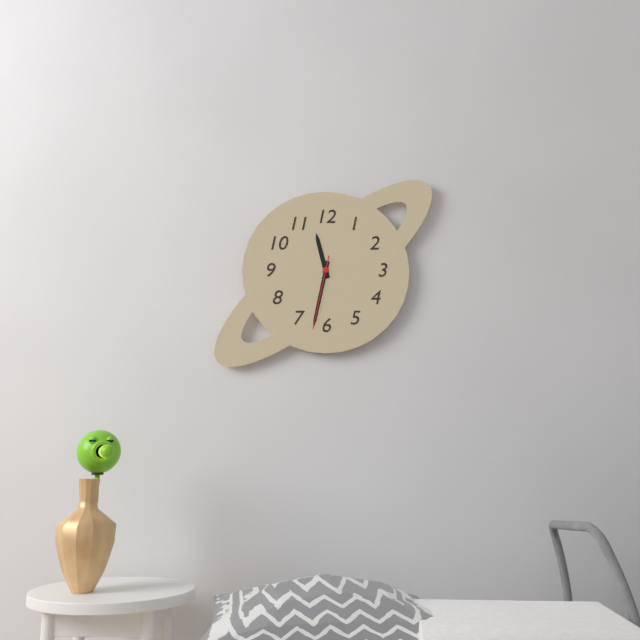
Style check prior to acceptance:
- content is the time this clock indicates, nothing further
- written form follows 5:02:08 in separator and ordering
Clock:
11:32:32
